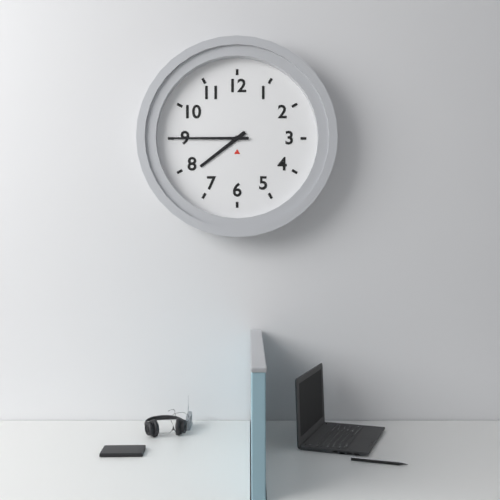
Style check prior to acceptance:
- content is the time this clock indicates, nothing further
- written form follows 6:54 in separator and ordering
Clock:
7:45
